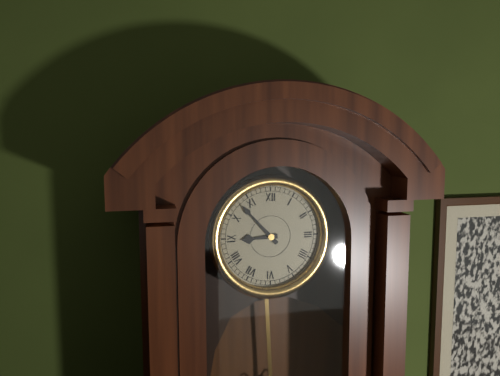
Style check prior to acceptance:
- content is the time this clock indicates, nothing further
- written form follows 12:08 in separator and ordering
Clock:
8:53
